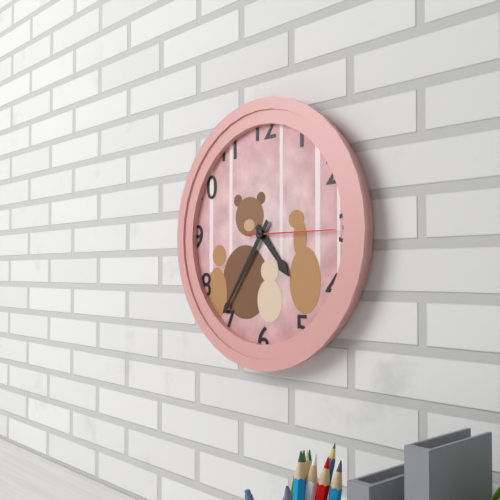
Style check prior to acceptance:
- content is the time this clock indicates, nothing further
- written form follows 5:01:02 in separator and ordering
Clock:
4:36:15
